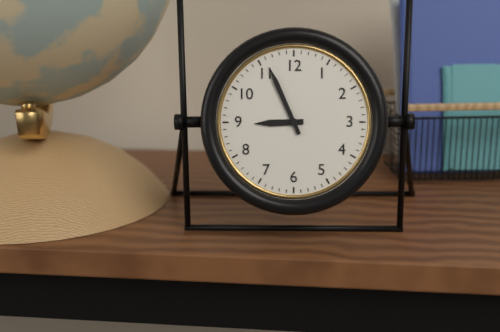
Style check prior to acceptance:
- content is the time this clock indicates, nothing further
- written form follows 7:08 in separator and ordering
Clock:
8:56
